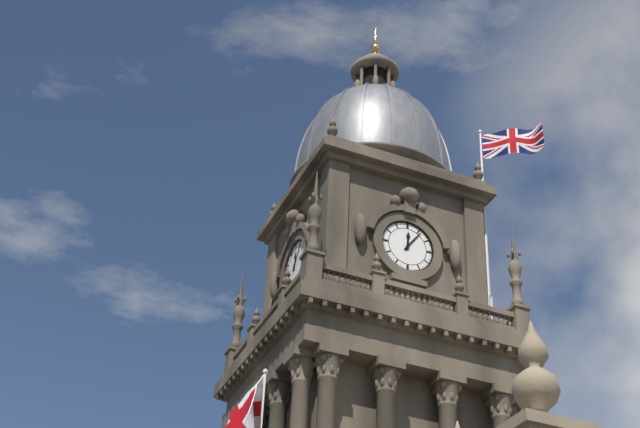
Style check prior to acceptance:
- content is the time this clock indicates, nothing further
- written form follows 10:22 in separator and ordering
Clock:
12:06
